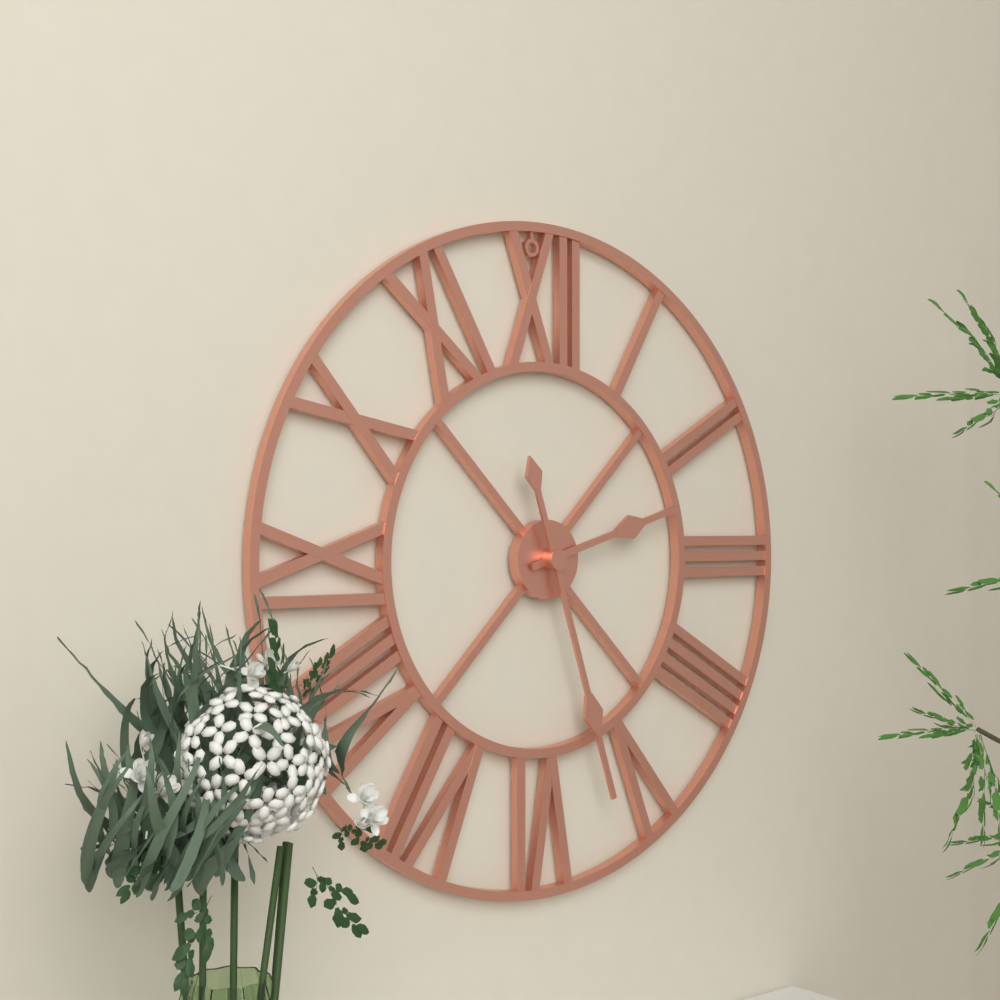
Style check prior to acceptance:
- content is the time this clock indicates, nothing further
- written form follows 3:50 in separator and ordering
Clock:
2:27
